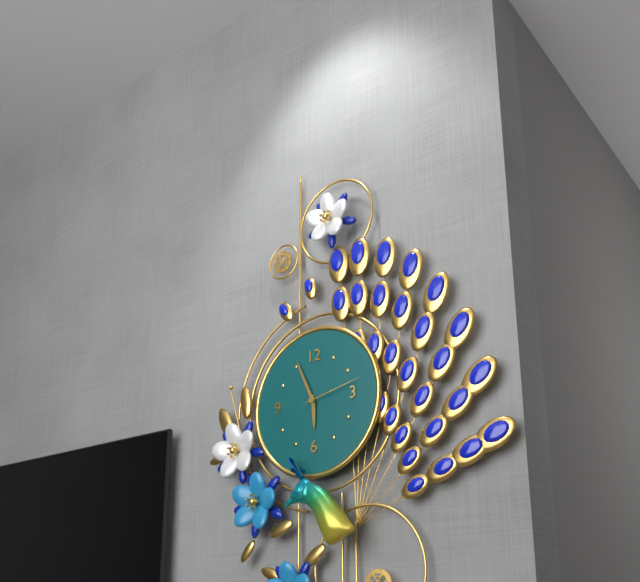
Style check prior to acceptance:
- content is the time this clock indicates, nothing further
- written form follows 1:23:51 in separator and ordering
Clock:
5:56:13
